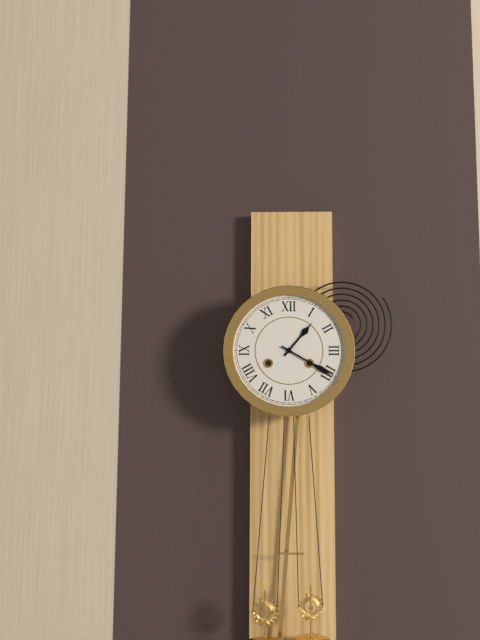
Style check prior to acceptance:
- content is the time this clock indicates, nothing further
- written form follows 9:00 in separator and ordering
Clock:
1:20
